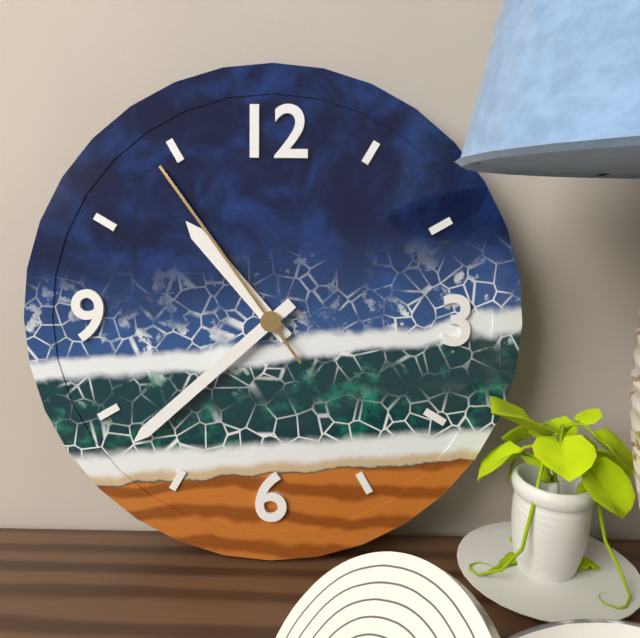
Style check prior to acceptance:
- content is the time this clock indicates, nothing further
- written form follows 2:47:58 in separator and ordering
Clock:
10:38:54
